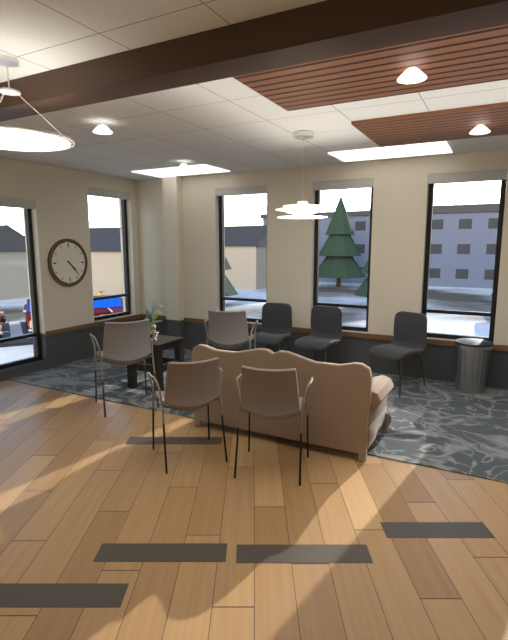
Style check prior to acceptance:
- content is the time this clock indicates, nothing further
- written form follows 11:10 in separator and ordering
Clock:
4:23
